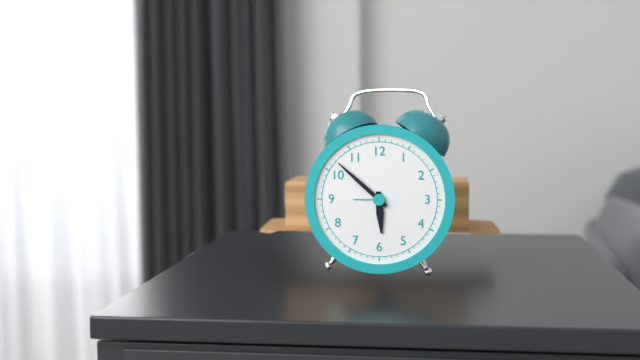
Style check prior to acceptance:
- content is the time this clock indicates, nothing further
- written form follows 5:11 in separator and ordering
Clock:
5:52
